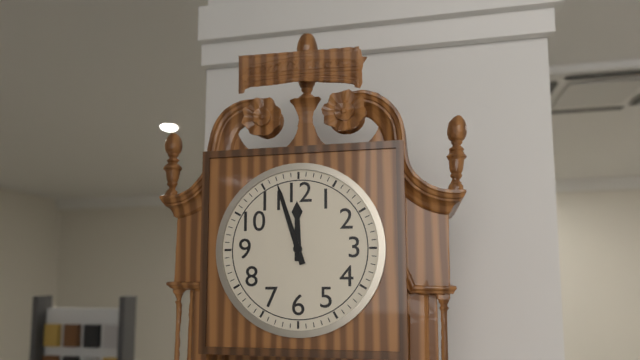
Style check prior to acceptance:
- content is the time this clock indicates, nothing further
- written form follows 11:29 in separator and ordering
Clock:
11:57
